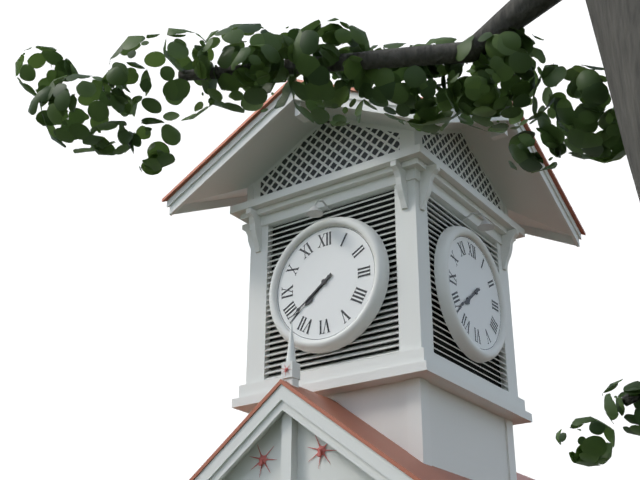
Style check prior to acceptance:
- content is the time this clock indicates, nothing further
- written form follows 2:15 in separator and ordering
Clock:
7:39
